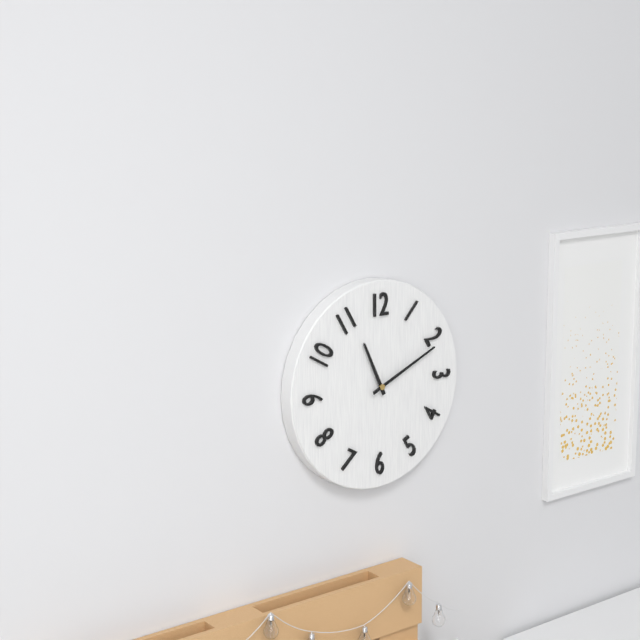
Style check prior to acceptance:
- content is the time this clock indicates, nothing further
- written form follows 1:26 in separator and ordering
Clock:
11:11
